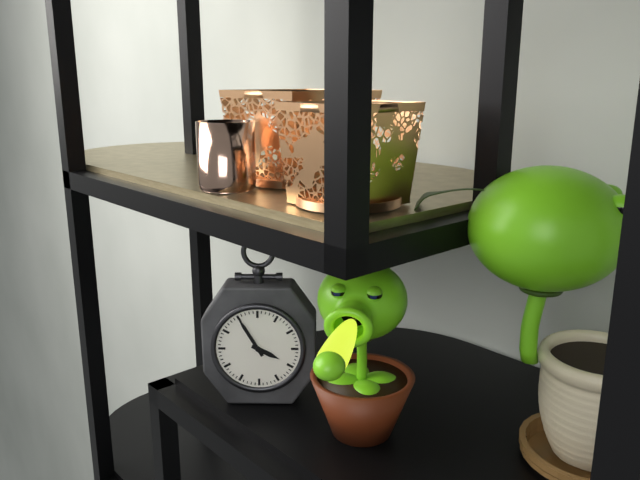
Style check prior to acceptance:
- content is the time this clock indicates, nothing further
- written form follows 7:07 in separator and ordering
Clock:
3:55
